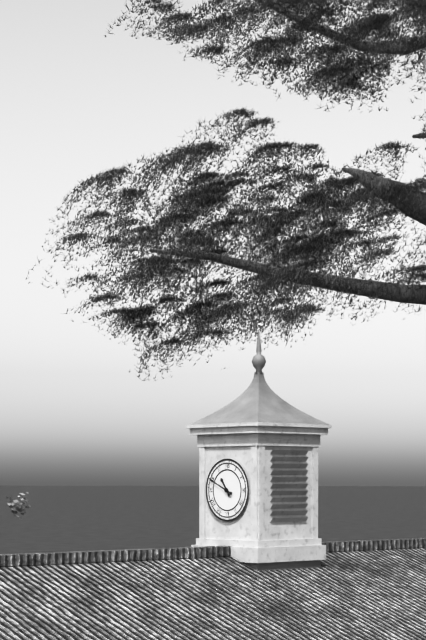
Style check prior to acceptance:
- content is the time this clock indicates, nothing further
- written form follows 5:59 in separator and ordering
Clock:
10:49
